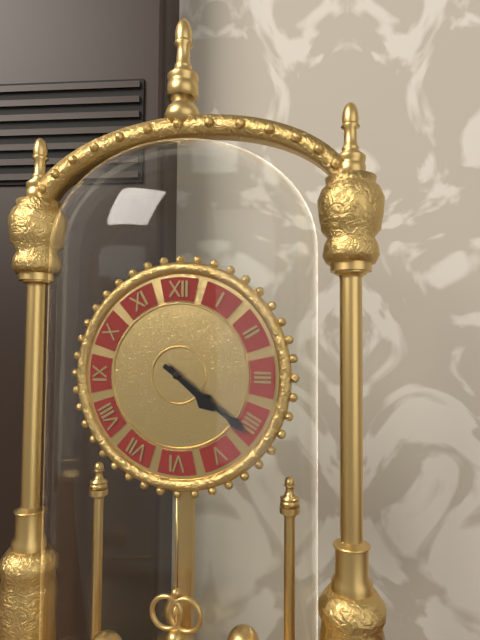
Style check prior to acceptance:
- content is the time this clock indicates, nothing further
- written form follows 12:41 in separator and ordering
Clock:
4:21
